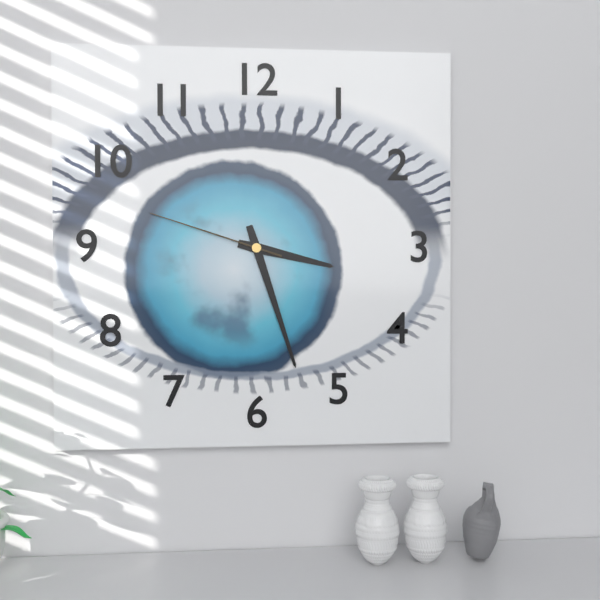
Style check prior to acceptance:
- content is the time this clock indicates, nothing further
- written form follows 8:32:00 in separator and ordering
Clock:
3:27:48
